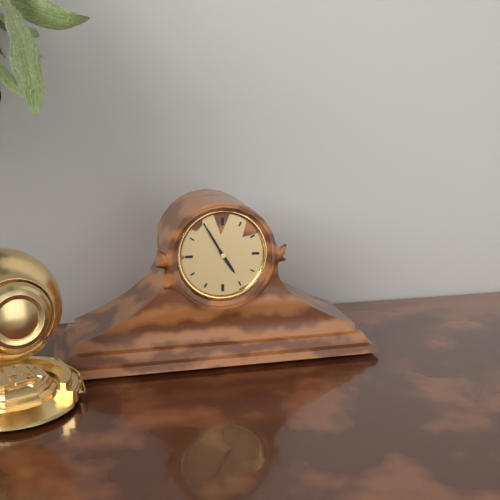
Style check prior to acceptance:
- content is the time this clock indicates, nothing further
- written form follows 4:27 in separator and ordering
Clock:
4:55
